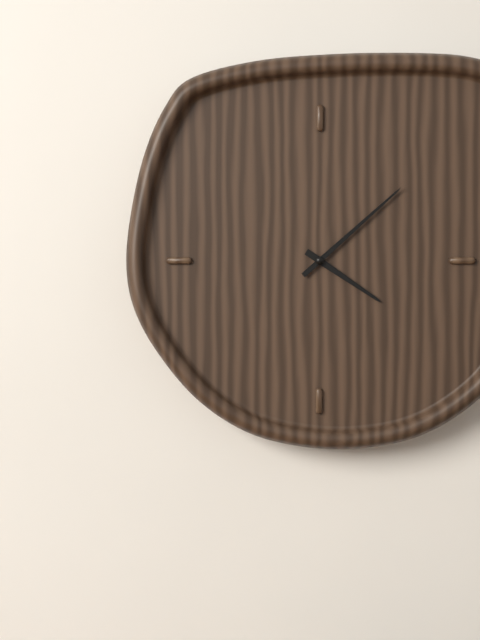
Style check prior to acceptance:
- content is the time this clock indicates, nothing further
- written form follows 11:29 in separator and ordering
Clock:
4:08
